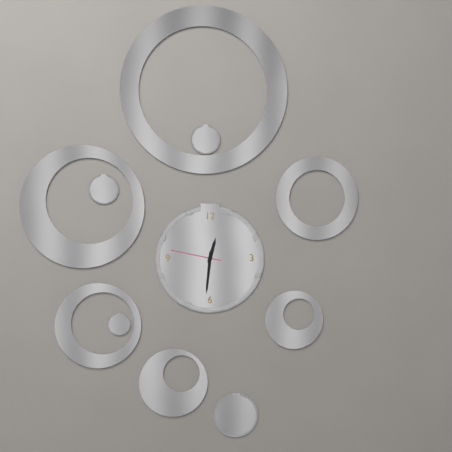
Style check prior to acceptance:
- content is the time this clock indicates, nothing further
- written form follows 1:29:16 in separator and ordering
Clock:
12:31:47
